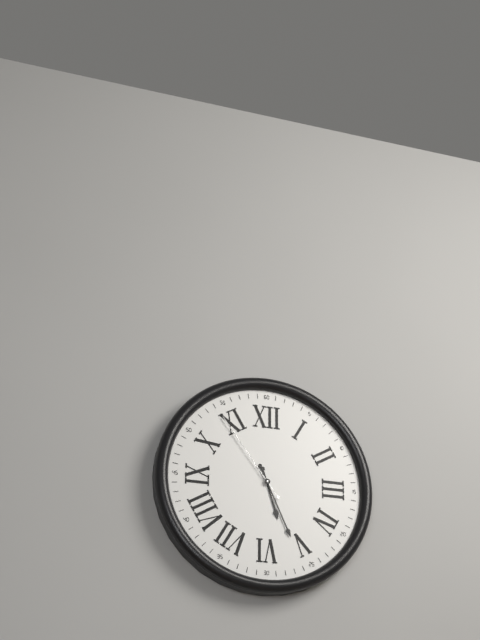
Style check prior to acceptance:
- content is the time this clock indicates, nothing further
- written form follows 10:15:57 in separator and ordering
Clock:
5:26:54
